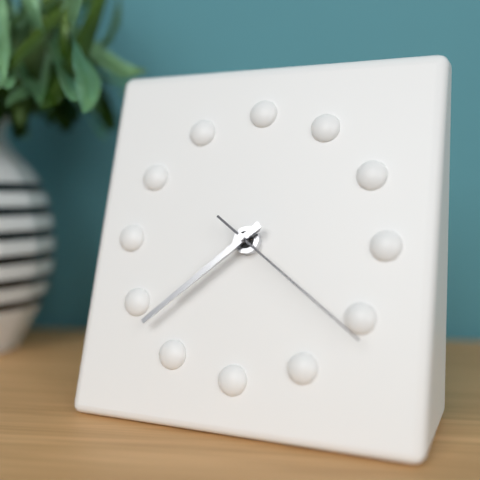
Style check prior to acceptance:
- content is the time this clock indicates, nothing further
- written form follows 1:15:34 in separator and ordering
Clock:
7:38:21
